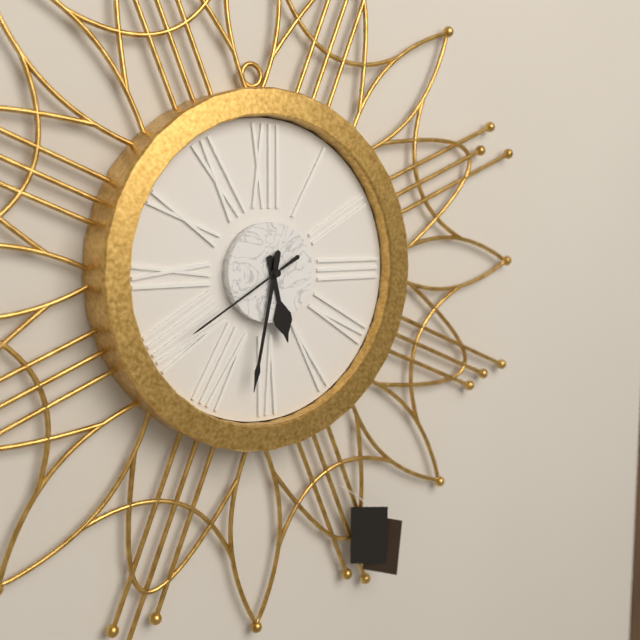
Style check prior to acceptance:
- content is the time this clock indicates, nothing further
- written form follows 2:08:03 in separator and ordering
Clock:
5:32:40
